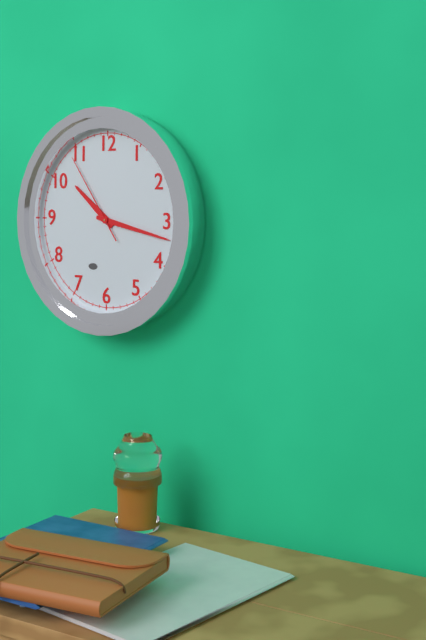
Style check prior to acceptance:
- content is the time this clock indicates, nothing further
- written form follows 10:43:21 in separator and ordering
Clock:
10:17:54
